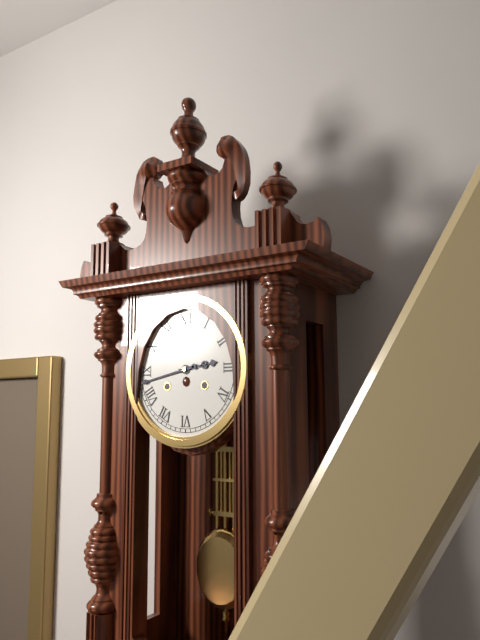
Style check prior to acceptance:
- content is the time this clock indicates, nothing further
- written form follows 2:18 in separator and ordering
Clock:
2:43
